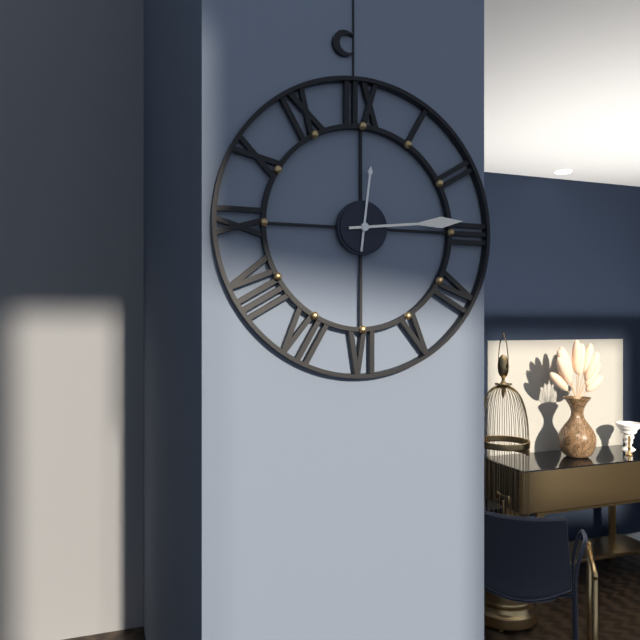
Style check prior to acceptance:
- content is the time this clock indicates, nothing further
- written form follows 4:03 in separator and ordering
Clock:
12:14
